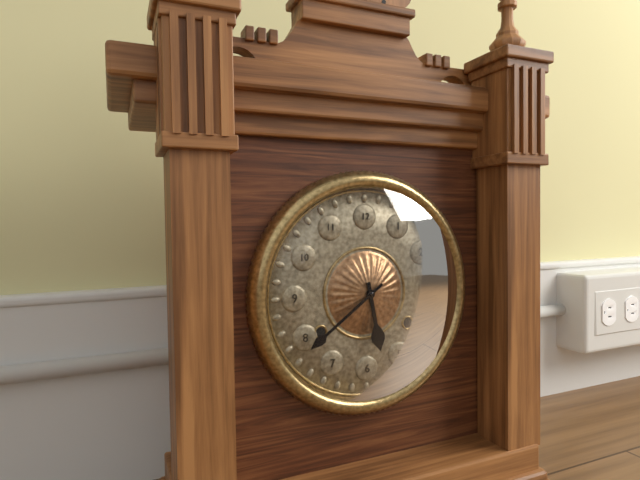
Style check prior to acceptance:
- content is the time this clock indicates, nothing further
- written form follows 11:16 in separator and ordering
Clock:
5:39
